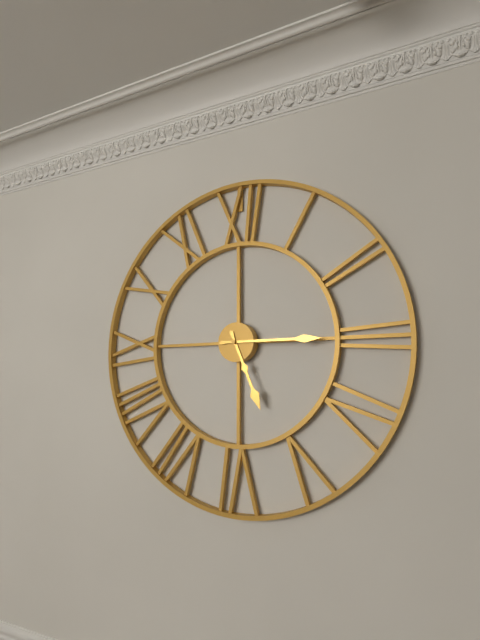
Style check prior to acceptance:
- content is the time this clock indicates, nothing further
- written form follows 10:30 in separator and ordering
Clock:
5:15
